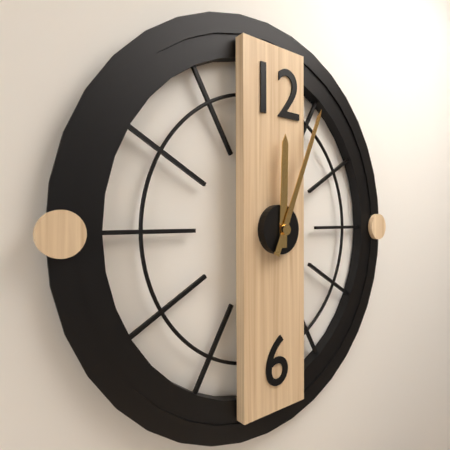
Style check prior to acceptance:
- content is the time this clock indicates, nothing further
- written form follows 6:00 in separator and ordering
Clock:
12:04
